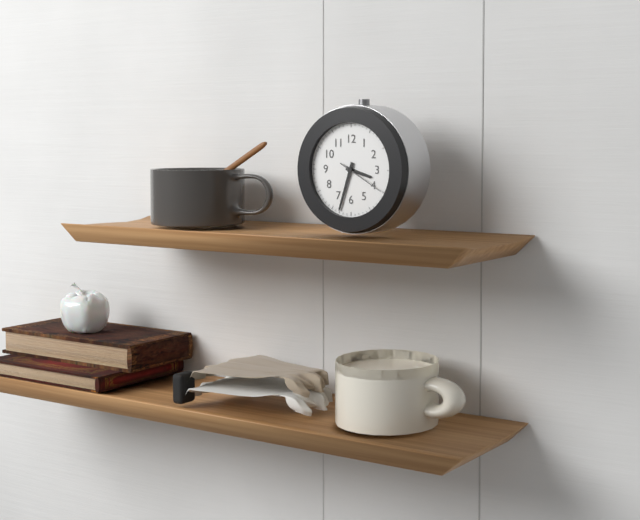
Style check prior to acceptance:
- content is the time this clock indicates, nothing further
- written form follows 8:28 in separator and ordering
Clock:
3:33
